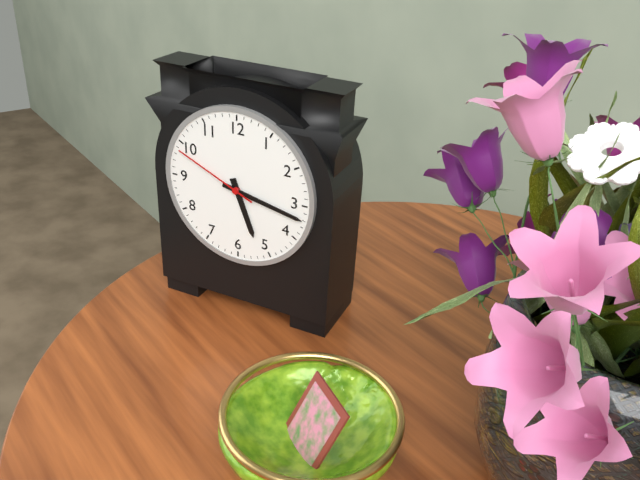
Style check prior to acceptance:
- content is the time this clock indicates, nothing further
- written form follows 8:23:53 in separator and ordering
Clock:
5:17:49
